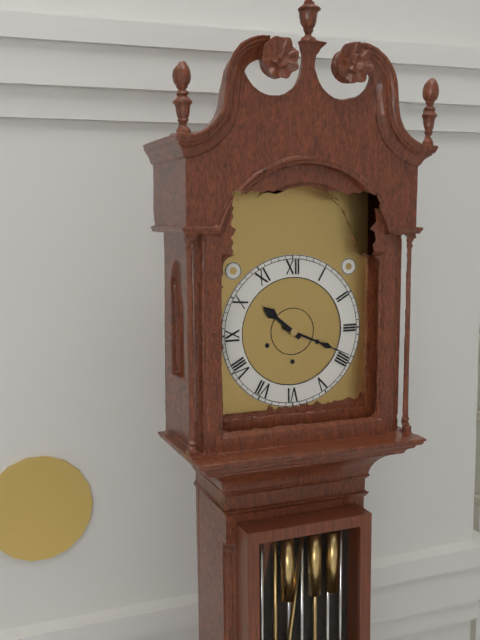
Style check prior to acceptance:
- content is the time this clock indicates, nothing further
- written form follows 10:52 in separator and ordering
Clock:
10:19
